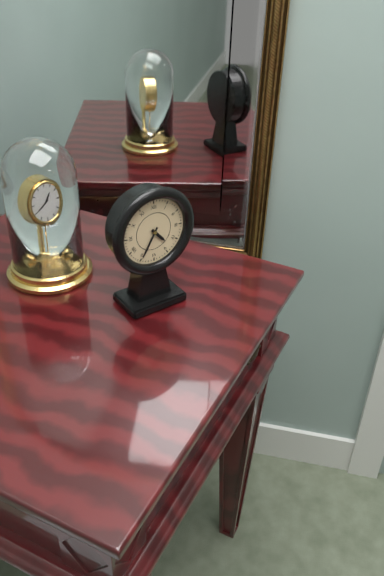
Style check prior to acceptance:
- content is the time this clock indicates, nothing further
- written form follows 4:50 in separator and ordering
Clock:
4:35
